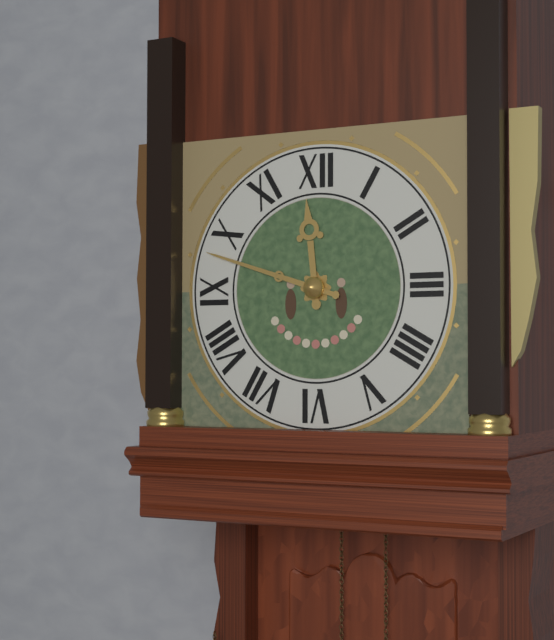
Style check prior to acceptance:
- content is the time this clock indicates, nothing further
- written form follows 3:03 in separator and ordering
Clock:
11:48
